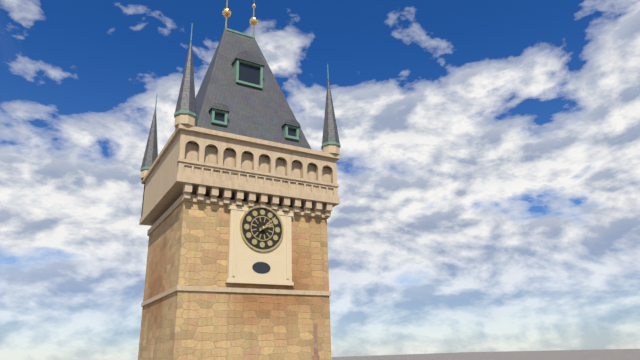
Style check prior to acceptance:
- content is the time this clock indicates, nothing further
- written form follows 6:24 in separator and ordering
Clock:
2:08
